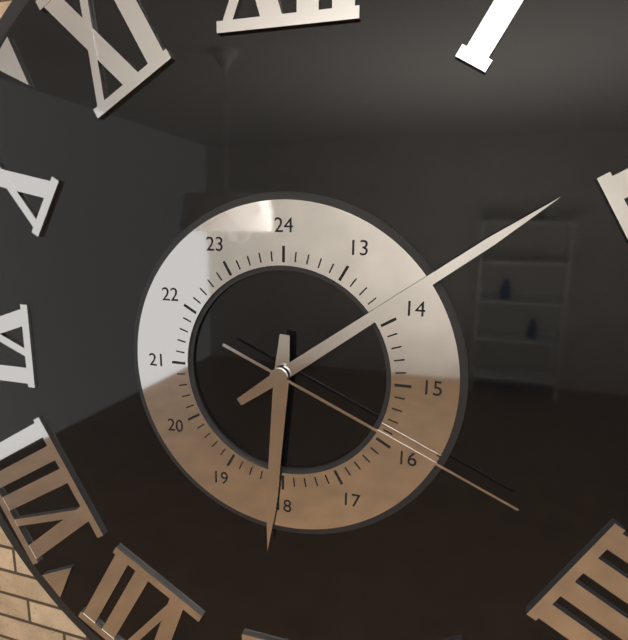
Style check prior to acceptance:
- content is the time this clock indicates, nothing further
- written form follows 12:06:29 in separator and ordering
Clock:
6:09:19
